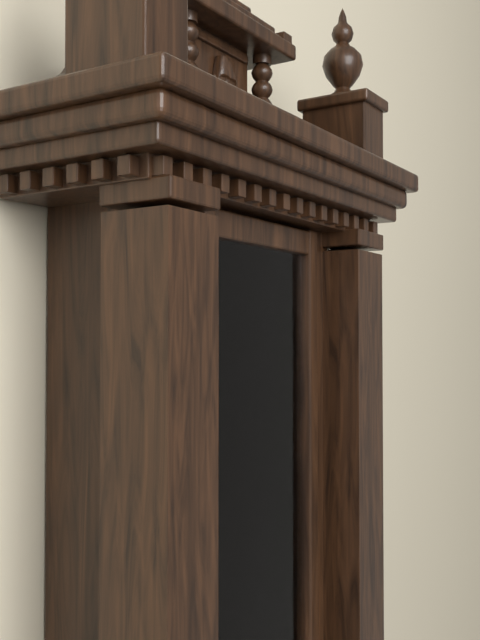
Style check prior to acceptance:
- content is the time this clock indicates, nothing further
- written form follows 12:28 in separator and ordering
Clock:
11:34
